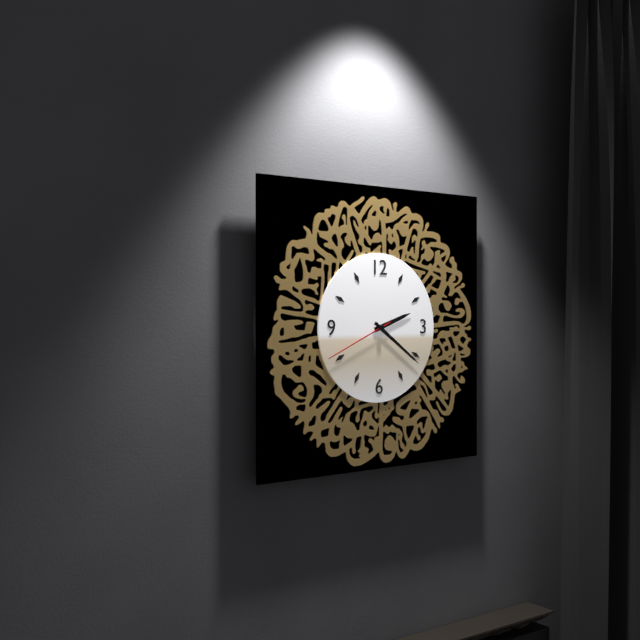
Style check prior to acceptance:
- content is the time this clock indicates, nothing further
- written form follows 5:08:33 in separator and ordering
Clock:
2:21:41
